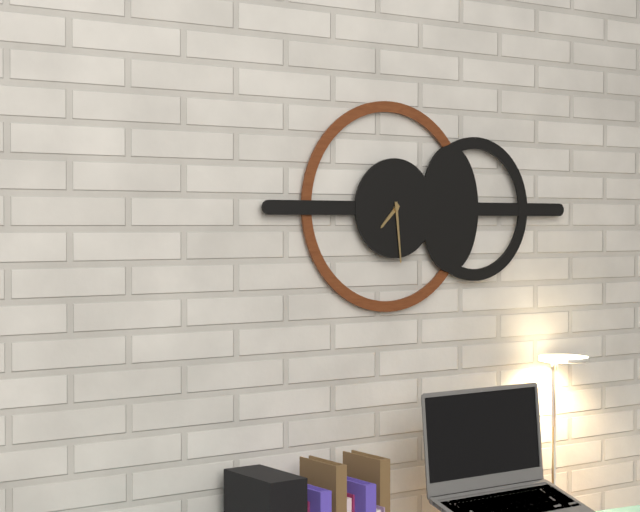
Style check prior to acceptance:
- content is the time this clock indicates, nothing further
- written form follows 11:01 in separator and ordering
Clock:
7:29
